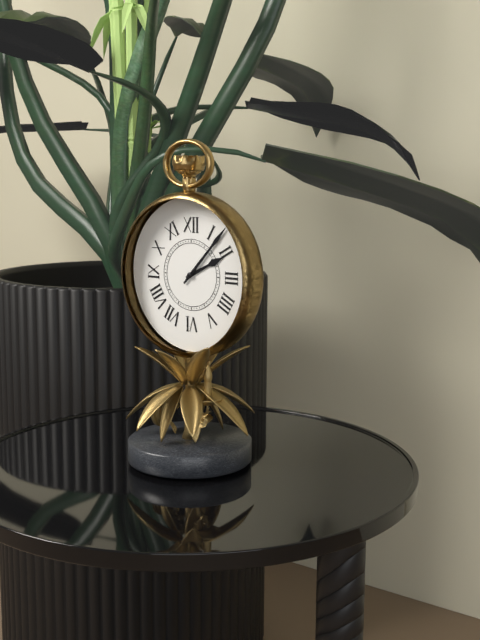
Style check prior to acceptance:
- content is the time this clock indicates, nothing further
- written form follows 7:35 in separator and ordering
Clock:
2:07
